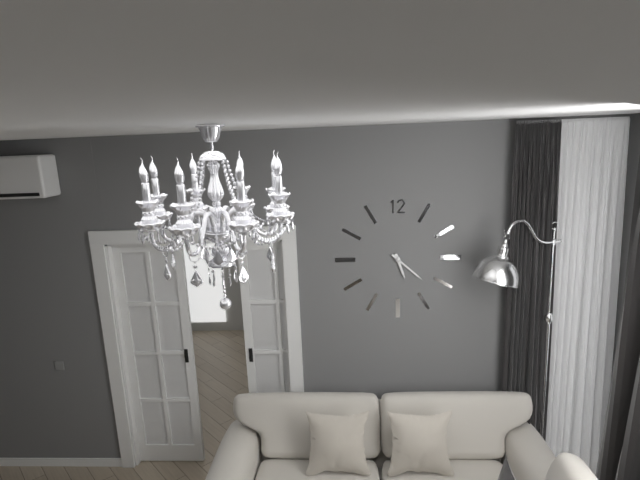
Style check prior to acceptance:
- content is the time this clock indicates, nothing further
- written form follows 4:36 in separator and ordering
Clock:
5:22
